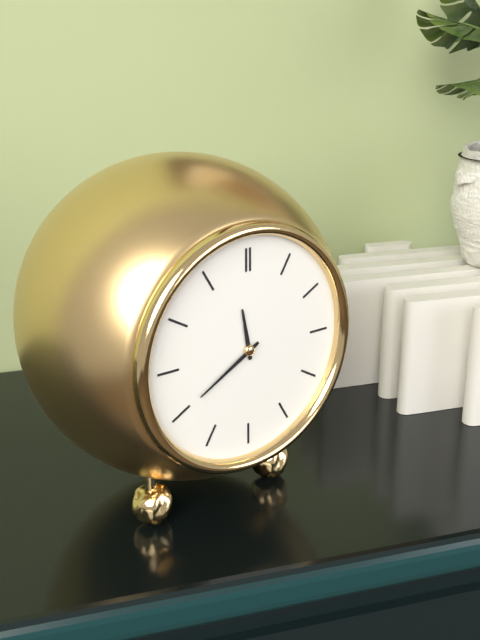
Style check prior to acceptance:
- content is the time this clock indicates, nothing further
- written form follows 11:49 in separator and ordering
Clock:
11:40
